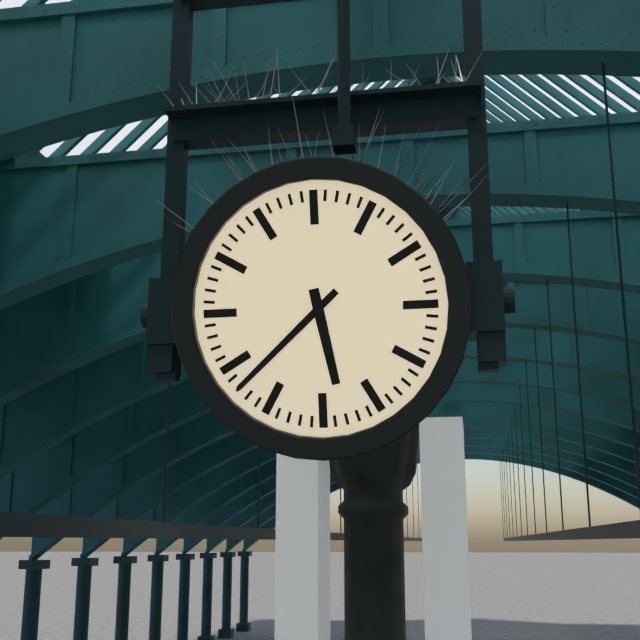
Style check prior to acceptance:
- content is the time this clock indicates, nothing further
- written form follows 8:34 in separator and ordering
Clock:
5:38
